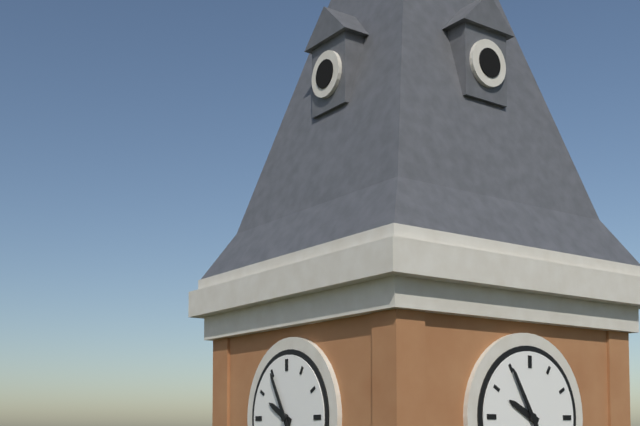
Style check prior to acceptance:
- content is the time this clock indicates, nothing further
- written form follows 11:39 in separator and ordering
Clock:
9:55
